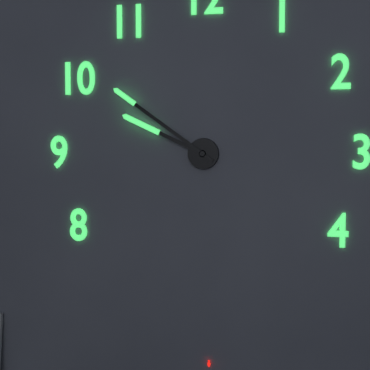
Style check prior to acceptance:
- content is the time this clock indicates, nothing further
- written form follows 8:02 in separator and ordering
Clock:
9:51
